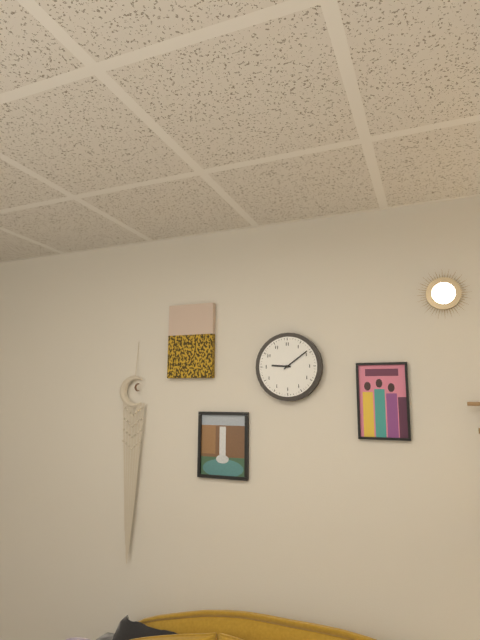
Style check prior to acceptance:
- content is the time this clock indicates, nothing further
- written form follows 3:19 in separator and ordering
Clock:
9:09
